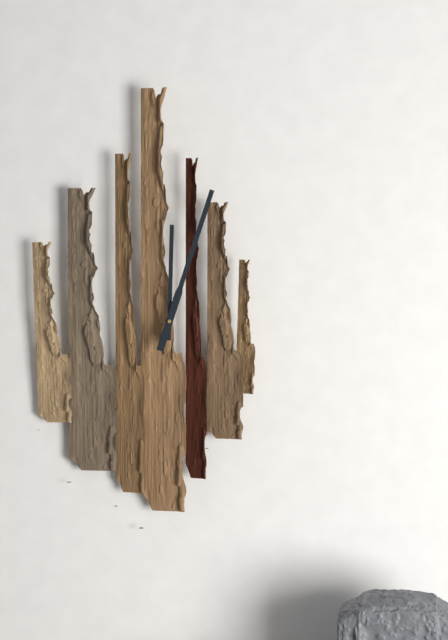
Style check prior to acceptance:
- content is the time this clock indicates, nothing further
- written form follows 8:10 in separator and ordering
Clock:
12:03
